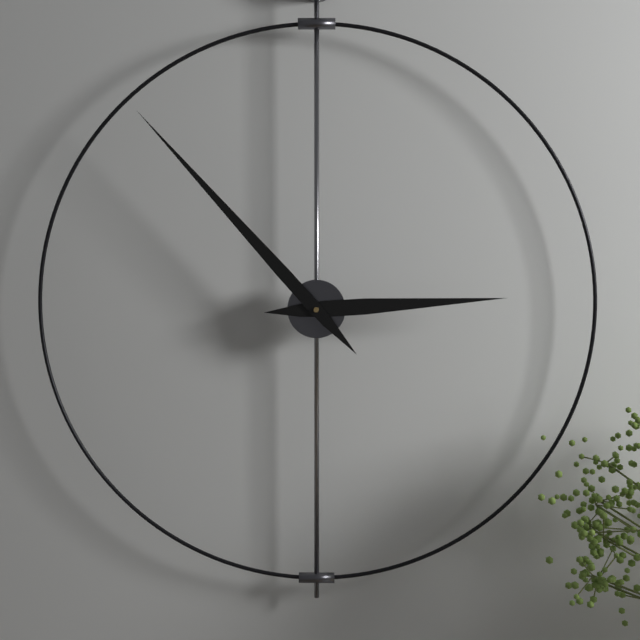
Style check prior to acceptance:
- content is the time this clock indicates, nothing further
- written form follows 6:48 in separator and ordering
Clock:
2:53
